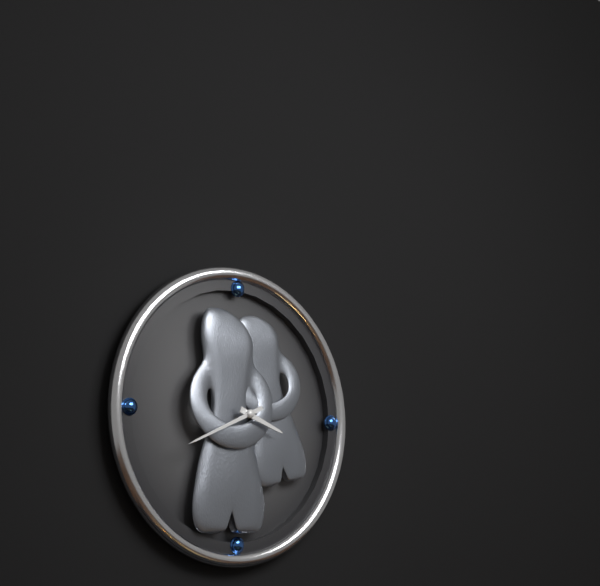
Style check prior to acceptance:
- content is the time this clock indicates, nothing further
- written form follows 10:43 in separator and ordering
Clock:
3:41
